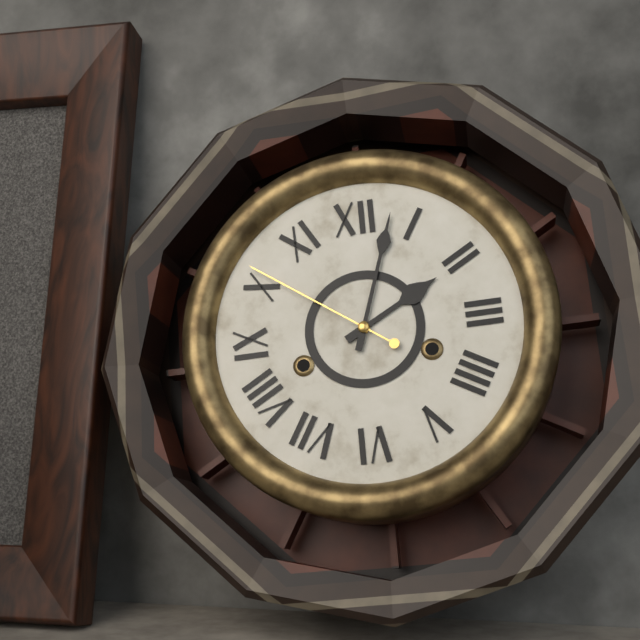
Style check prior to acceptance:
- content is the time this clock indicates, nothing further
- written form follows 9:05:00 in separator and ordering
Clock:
2:03:51
